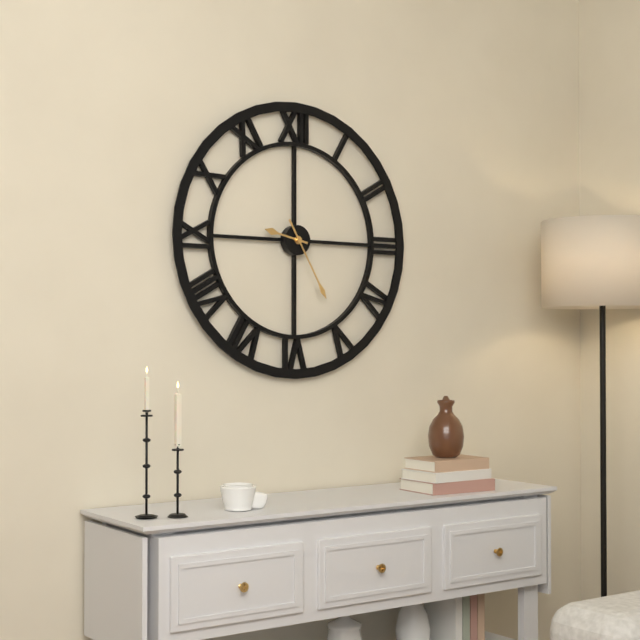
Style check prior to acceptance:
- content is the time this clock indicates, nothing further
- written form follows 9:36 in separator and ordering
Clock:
9:25
